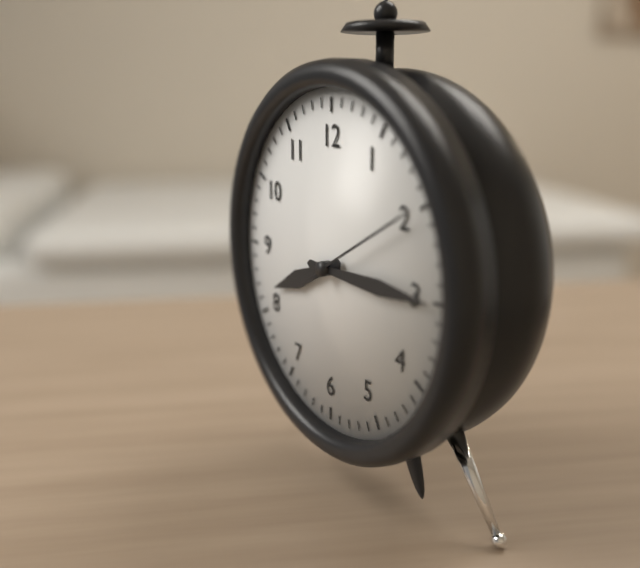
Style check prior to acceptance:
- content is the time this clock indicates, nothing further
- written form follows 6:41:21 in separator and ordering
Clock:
8:15:10
